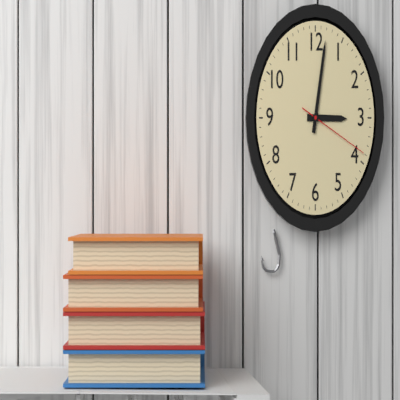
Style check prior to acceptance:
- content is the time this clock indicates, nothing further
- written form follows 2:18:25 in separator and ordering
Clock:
3:02:19
